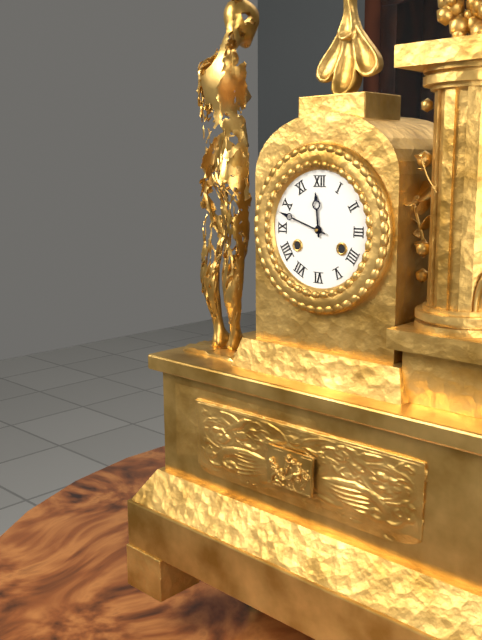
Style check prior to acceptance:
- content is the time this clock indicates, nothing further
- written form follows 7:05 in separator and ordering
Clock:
11:48
